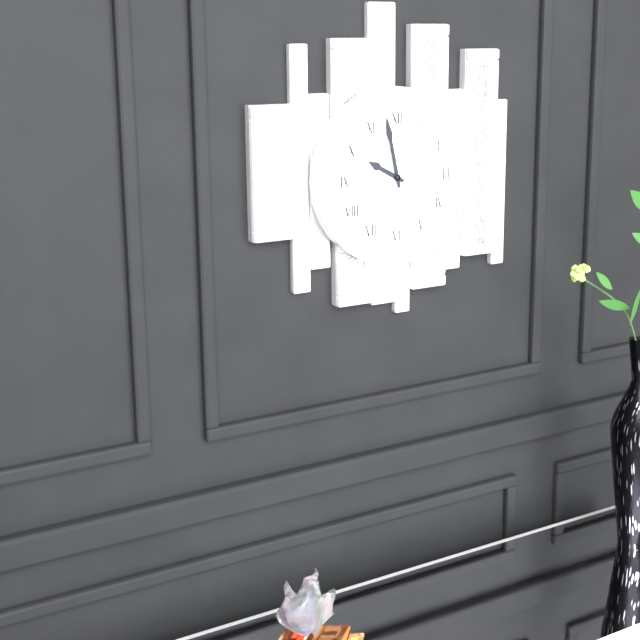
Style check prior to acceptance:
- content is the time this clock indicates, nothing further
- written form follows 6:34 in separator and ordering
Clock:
9:58
